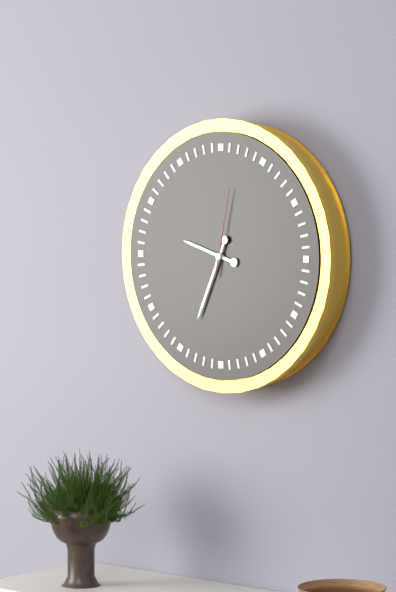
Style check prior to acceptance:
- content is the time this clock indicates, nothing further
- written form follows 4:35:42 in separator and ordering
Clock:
9:34:02
